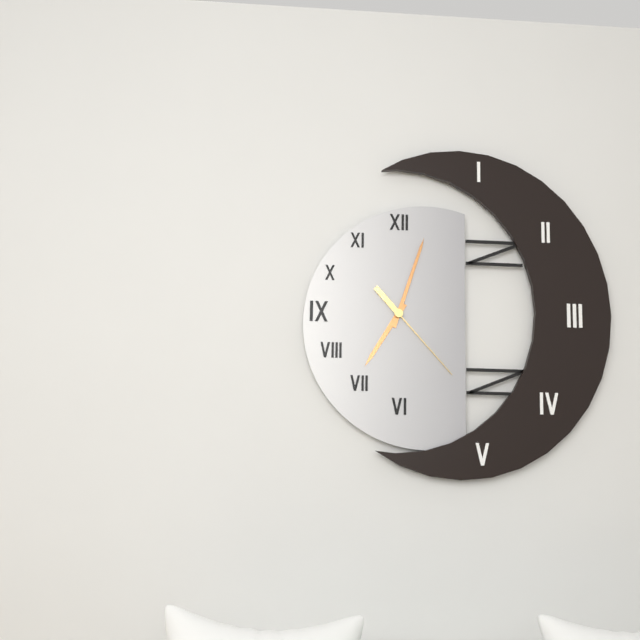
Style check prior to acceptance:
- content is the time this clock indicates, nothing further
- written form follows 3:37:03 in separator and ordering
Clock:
7:03:23
